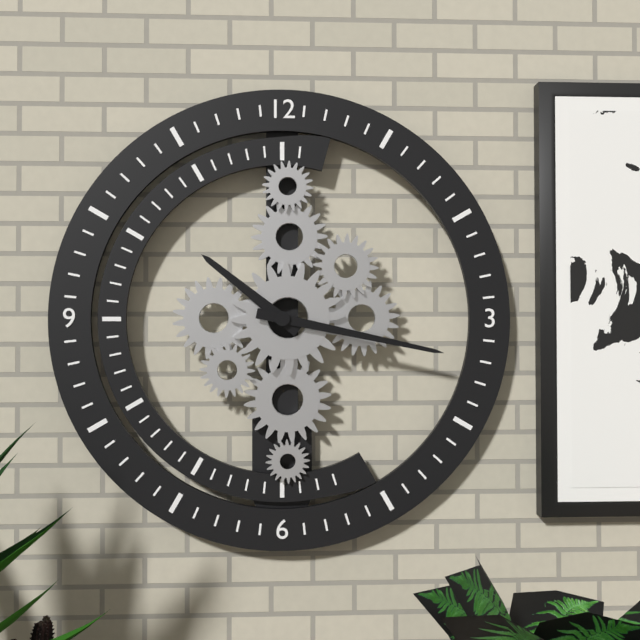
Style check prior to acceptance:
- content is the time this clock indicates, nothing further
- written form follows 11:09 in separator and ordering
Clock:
10:17
